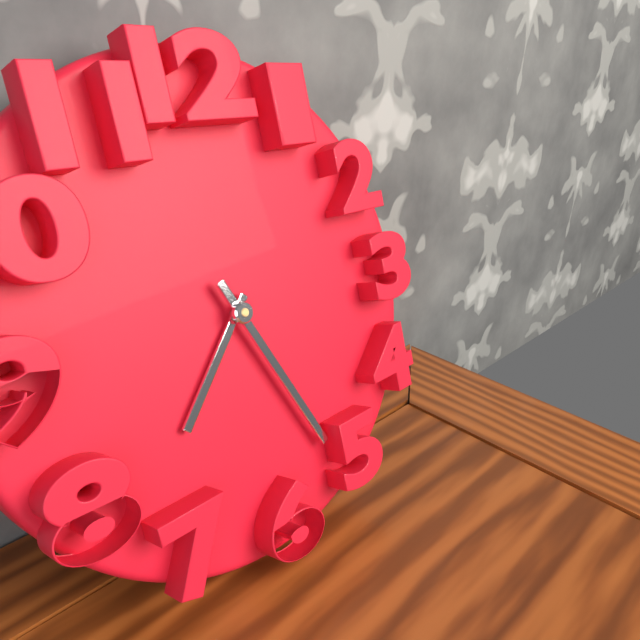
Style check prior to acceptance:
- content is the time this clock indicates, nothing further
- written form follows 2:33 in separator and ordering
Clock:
7:26
